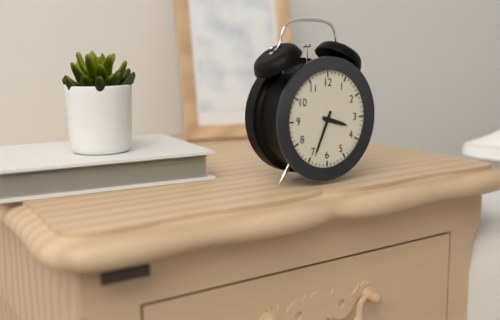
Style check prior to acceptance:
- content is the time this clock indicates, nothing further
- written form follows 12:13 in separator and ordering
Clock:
3:34
